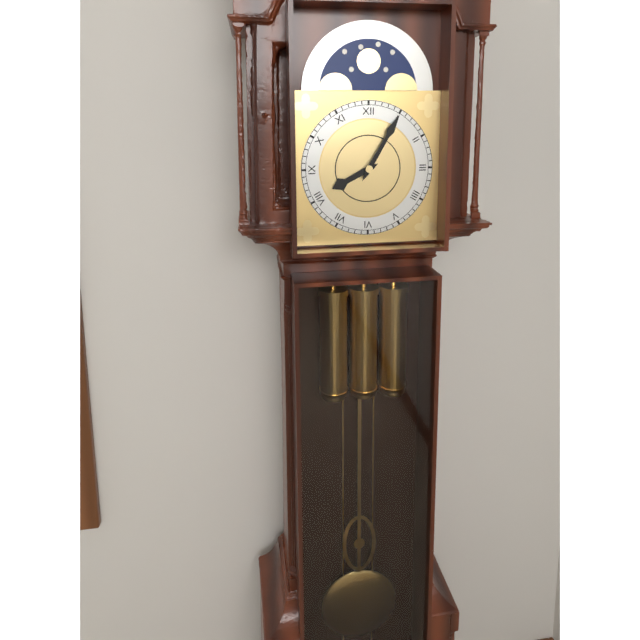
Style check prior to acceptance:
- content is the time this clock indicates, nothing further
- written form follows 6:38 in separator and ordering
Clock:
8:05
